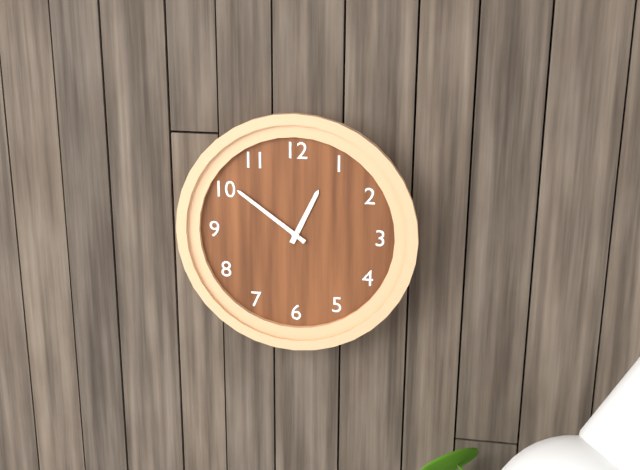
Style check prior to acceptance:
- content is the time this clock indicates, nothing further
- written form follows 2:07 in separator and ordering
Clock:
12:51
